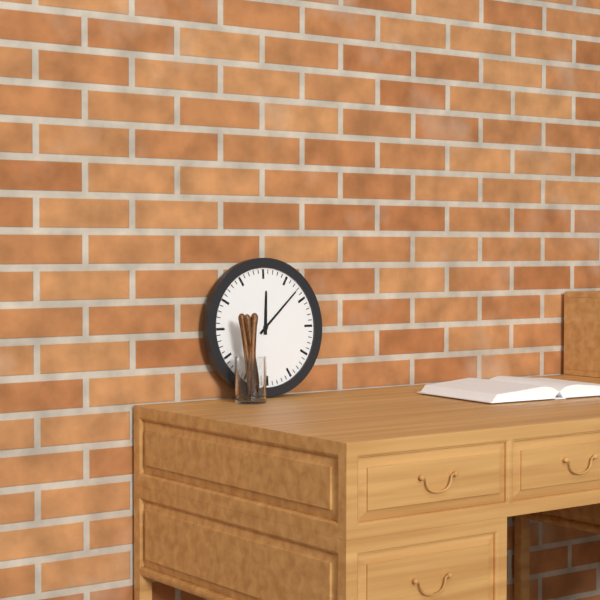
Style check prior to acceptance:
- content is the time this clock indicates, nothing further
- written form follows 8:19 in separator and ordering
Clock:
12:08
